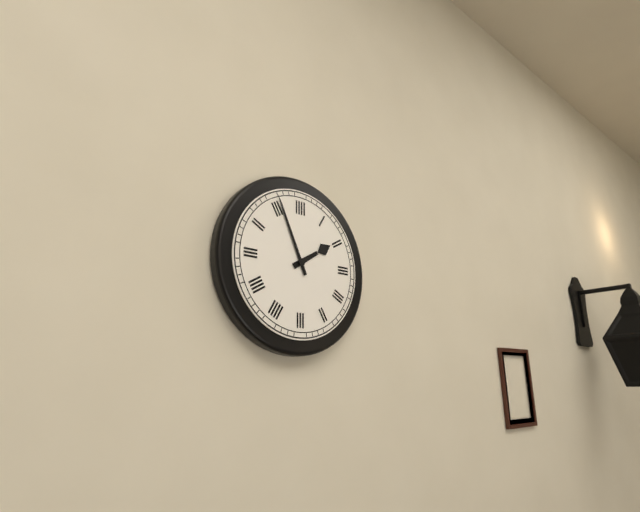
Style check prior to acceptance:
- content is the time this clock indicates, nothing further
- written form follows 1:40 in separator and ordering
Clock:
1:56
